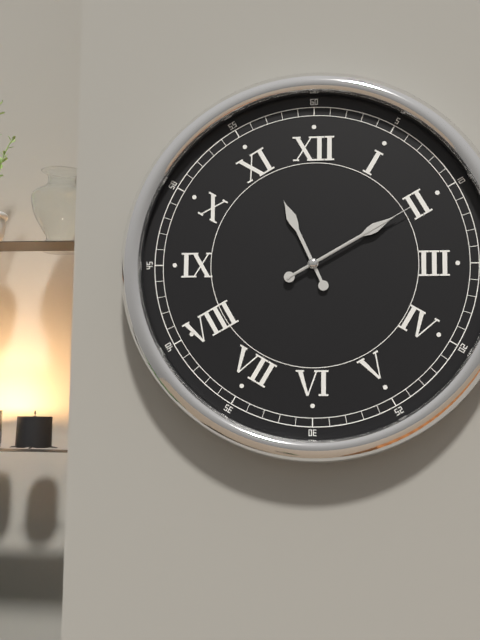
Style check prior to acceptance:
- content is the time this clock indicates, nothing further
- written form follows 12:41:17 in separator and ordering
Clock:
11:10:10
